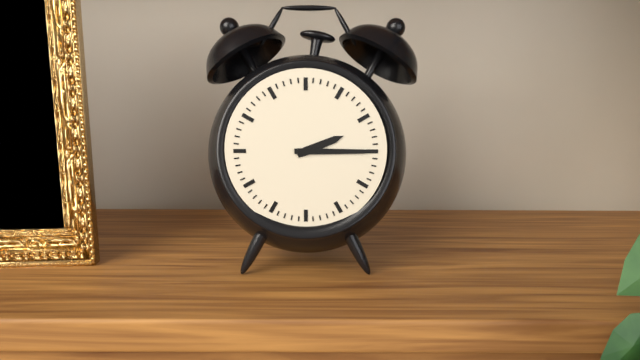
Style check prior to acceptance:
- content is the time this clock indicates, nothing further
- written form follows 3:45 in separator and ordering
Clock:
2:15
